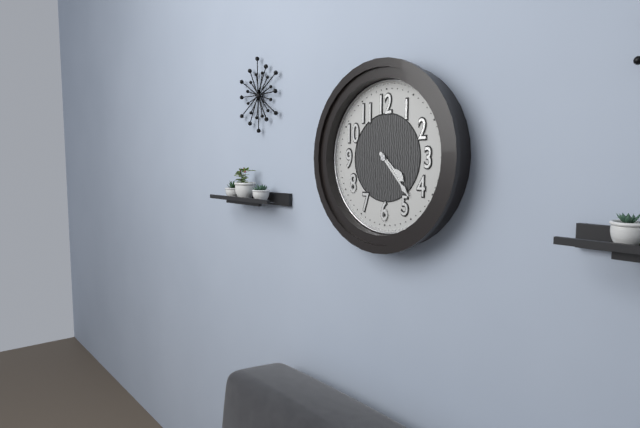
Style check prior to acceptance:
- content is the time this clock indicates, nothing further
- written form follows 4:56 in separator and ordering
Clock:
4:23
